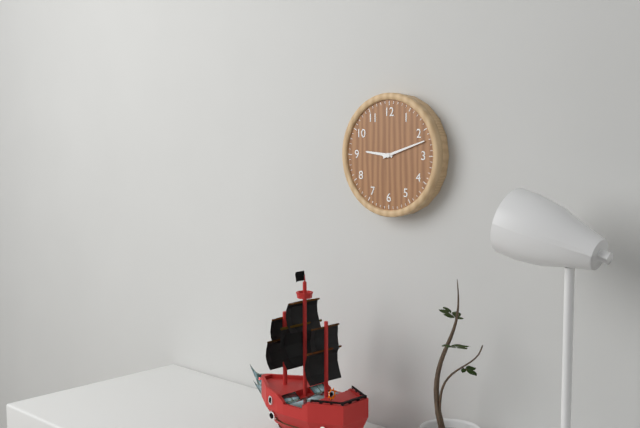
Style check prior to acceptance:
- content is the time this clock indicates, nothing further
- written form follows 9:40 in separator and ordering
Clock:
9:12
